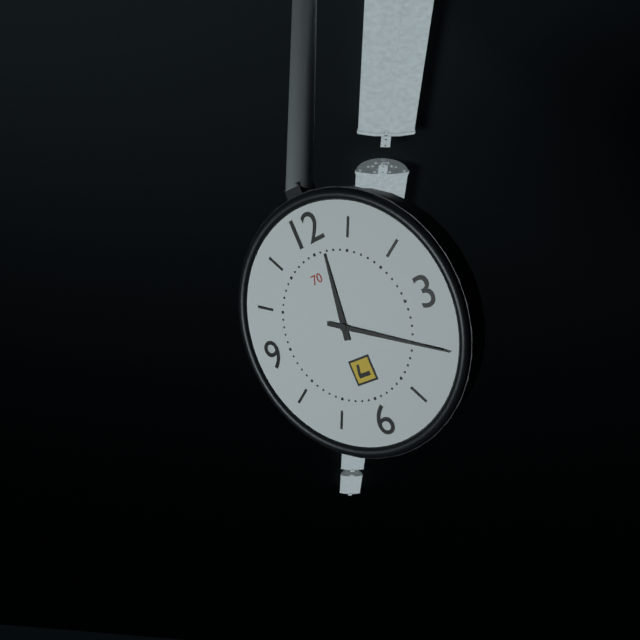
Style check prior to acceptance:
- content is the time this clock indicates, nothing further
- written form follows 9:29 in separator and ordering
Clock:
12:20
